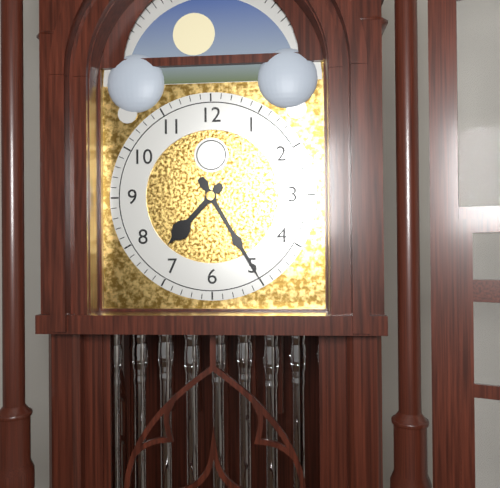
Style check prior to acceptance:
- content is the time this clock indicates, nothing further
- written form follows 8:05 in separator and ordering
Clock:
7:25
